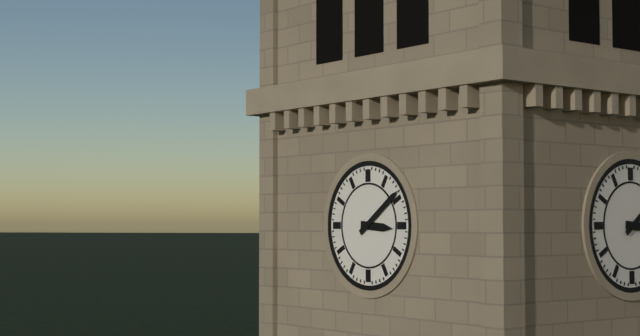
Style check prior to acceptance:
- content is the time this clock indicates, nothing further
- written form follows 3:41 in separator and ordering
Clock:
3:09
